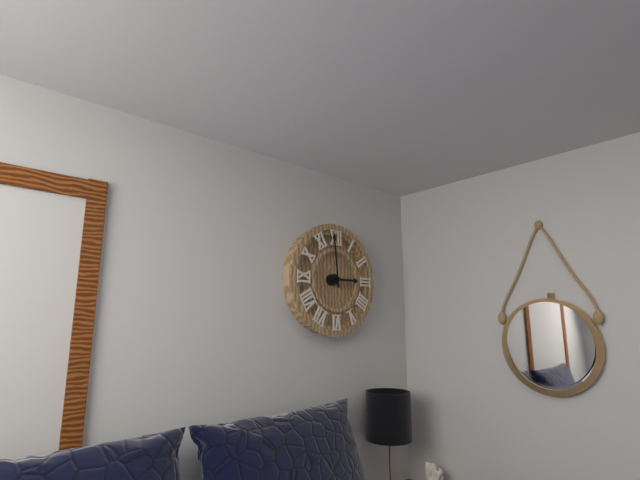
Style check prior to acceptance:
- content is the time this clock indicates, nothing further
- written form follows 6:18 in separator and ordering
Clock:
2:59
